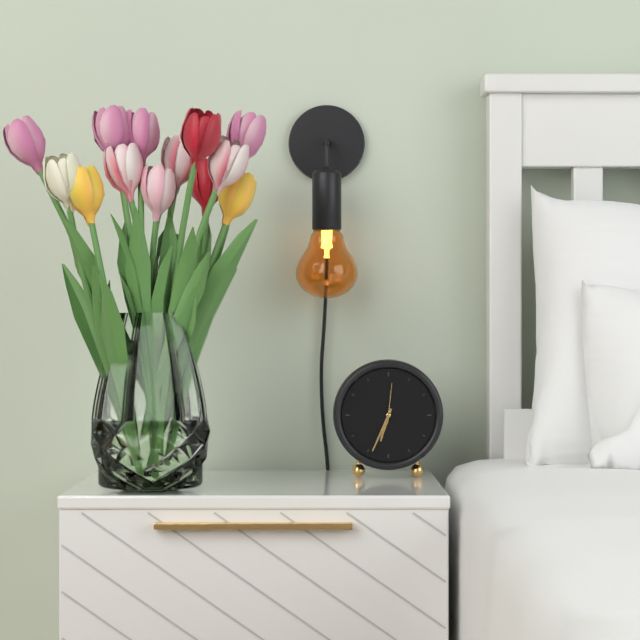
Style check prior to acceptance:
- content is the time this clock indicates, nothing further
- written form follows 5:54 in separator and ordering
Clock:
6:34
